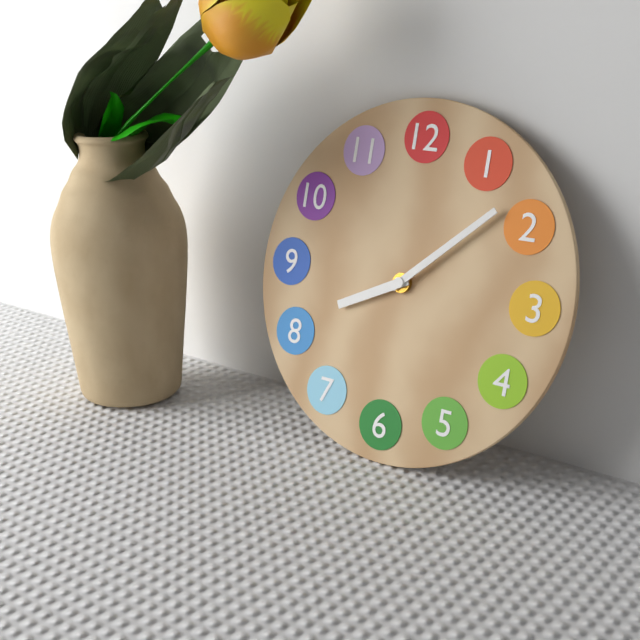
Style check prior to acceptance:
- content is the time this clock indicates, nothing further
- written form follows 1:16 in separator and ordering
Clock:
8:08
